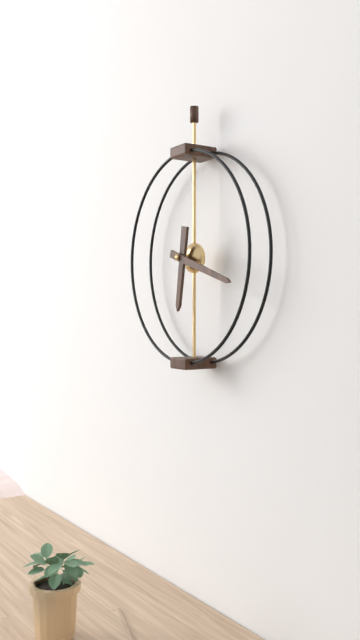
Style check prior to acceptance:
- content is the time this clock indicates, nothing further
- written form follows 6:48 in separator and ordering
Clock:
6:18
